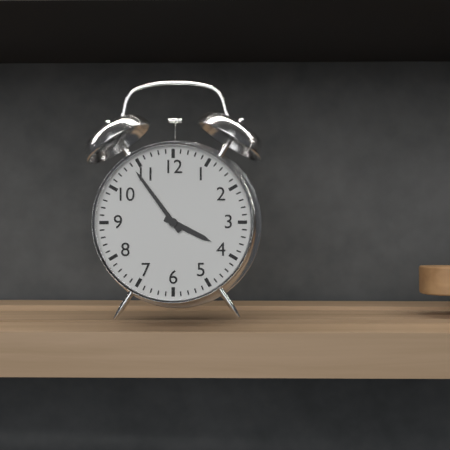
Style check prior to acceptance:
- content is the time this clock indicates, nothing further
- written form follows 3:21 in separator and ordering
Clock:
3:54
